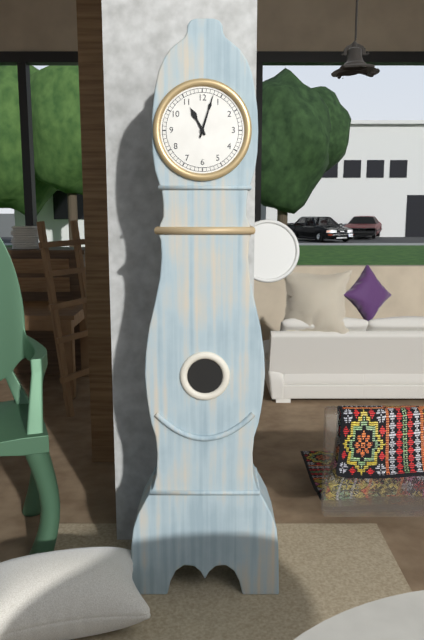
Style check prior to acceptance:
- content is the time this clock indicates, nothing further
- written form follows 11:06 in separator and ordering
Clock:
11:03
